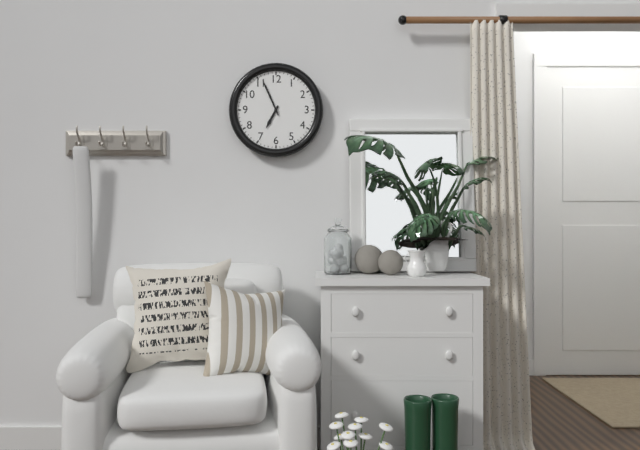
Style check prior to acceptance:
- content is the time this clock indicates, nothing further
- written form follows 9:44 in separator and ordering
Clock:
6:56
